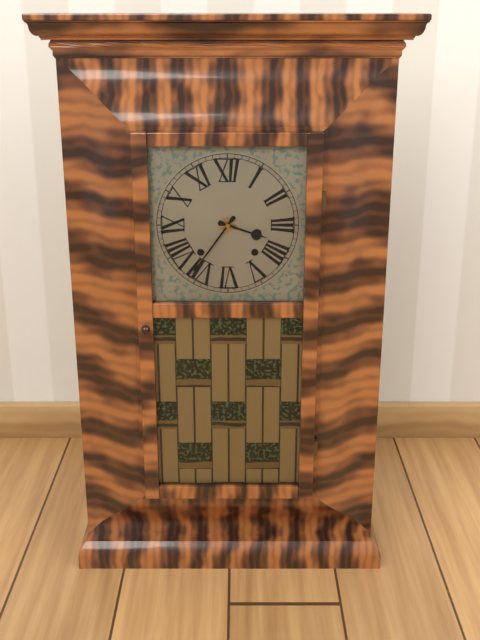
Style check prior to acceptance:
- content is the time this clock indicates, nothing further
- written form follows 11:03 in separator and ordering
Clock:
3:36
